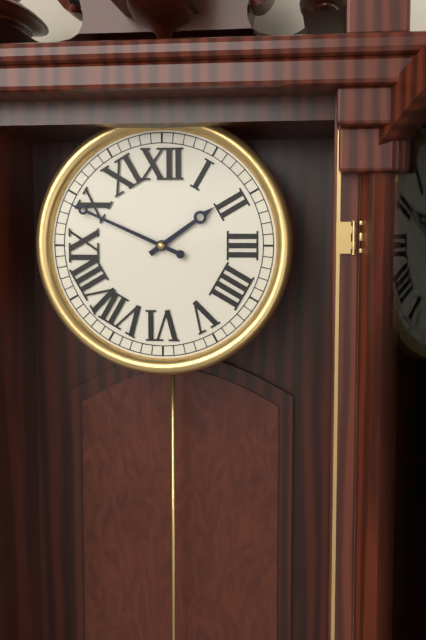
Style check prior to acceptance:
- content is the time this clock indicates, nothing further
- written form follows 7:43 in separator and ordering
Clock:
1:49
